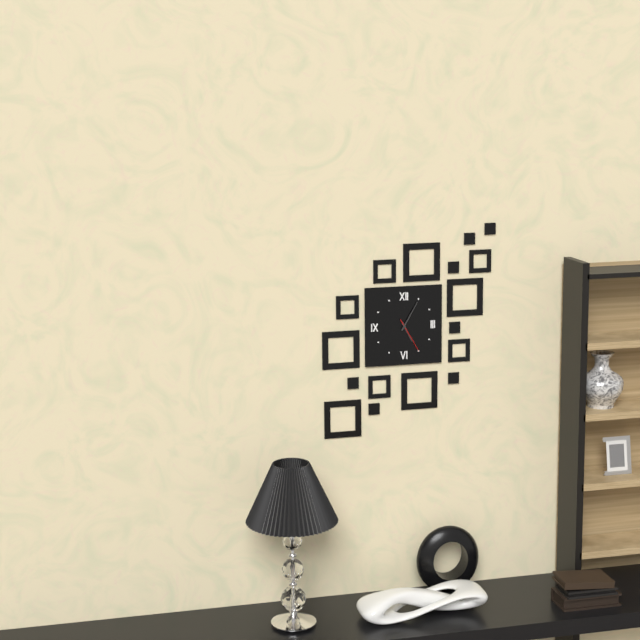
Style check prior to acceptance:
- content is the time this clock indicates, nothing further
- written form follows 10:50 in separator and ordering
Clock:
5:05
